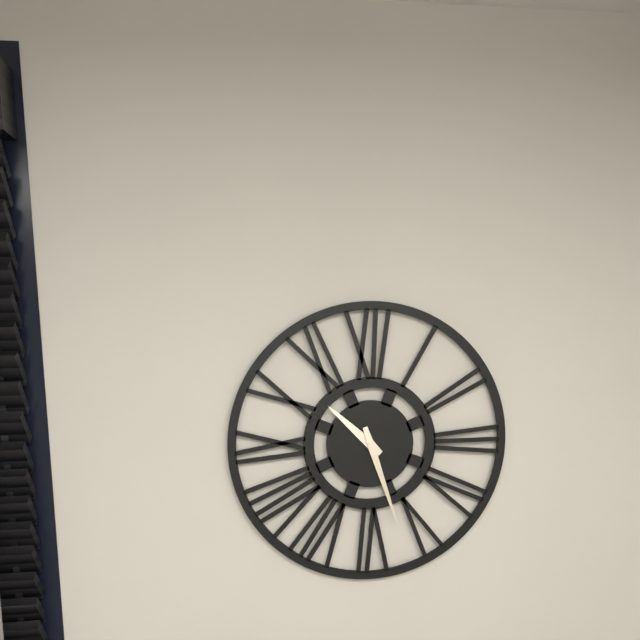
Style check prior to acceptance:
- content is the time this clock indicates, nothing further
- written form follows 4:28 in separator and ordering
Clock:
10:27
